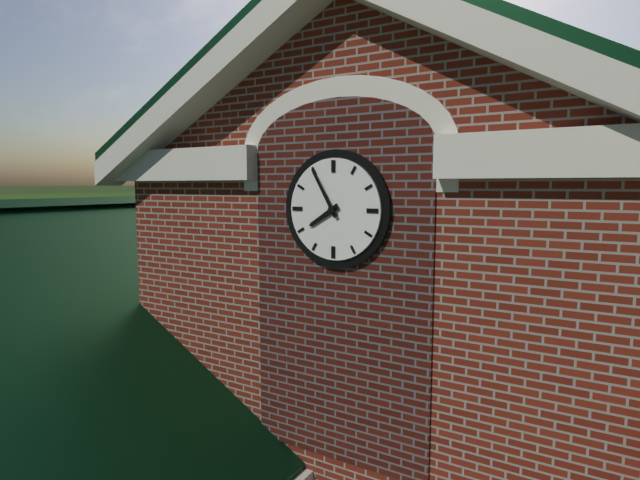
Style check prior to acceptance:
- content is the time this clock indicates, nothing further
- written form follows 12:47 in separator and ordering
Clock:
7:55
